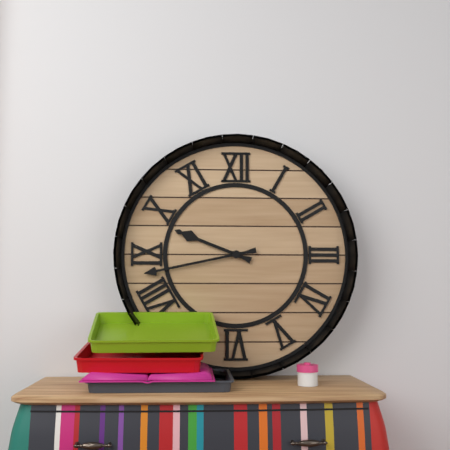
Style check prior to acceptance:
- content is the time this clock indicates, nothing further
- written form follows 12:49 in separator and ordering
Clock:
9:43
